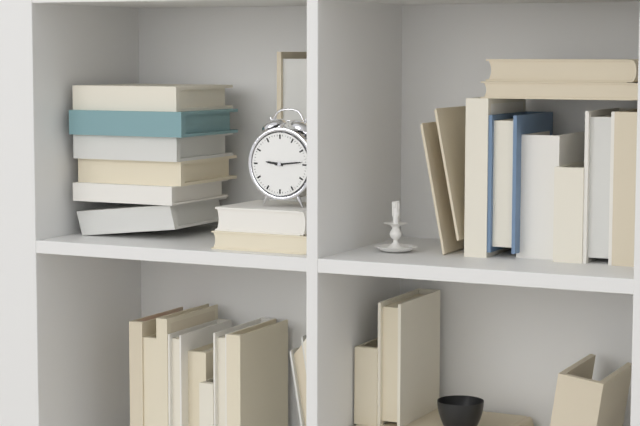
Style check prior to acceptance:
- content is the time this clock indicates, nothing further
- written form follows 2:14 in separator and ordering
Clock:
9:14
